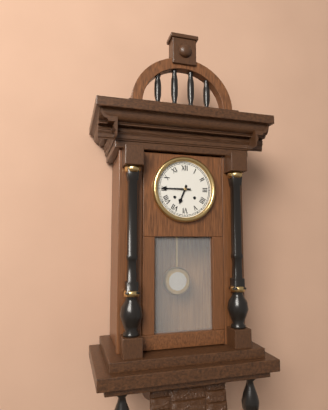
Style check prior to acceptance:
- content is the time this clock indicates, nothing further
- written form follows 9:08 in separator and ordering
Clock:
6:45
